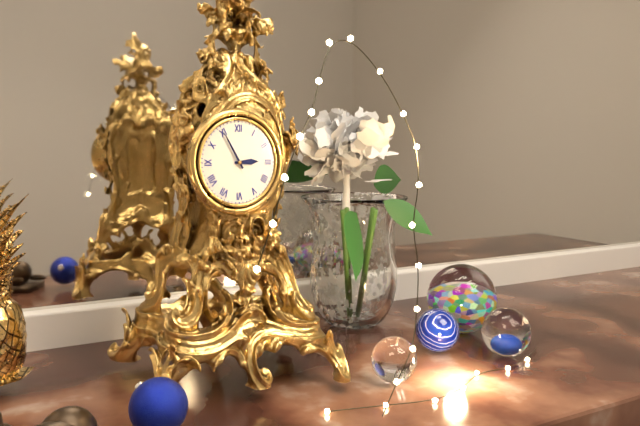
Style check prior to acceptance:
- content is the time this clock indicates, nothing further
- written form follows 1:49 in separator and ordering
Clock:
2:55
